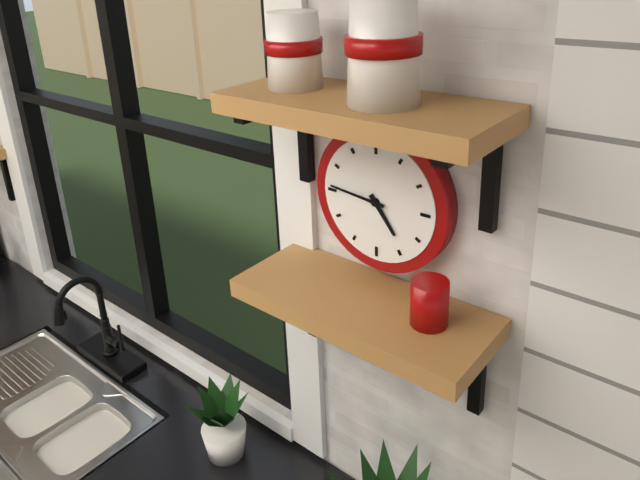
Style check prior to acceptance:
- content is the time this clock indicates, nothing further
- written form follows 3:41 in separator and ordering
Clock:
4:46
